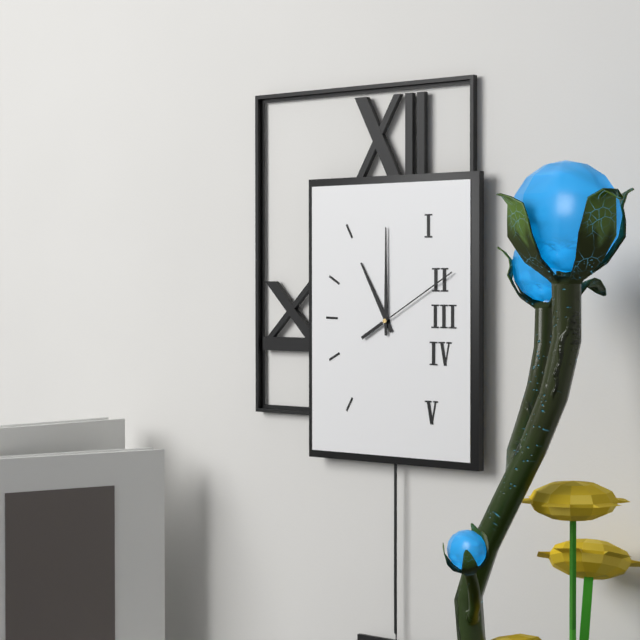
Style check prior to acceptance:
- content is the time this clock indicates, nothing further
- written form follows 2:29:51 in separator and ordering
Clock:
11:00:10
